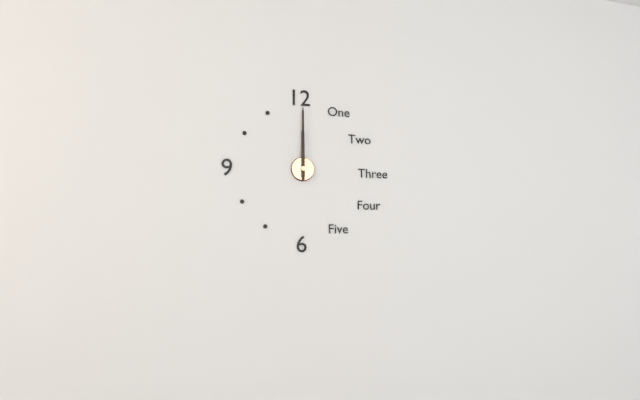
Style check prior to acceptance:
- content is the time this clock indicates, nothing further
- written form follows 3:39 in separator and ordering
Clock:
12:00
